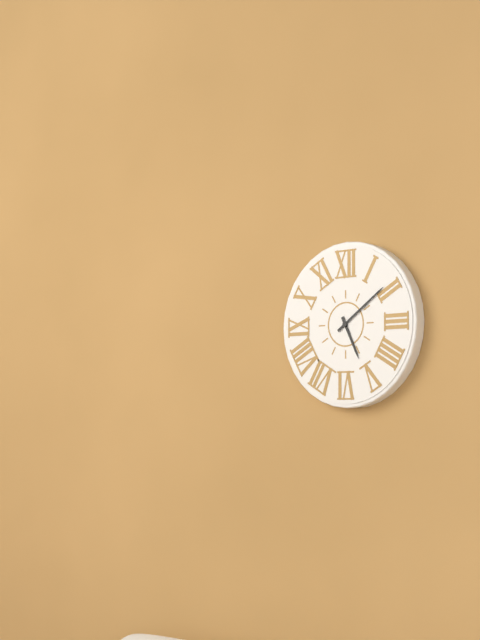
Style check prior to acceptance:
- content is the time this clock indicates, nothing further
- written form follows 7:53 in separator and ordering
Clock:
5:09
